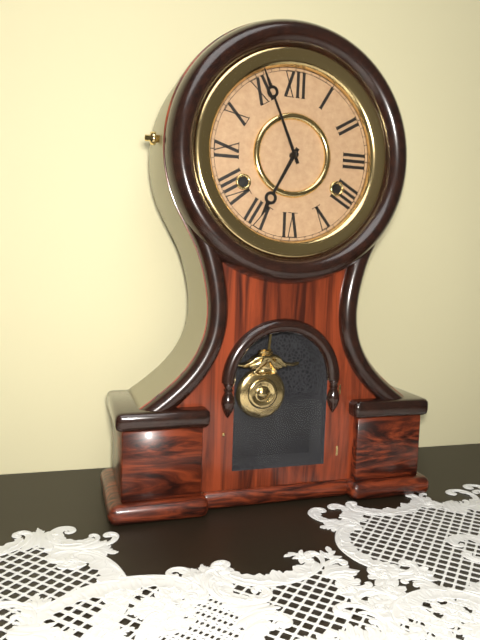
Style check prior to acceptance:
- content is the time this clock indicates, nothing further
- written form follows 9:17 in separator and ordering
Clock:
6:56
